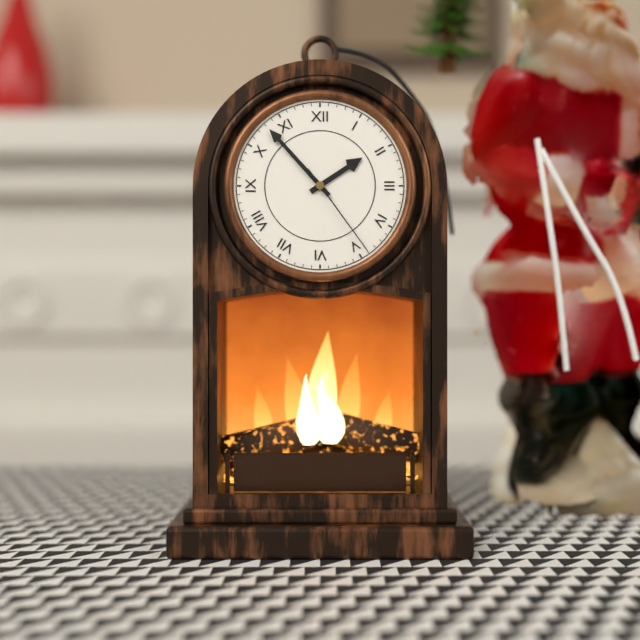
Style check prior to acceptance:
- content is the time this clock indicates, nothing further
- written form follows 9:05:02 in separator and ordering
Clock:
1:53:24
